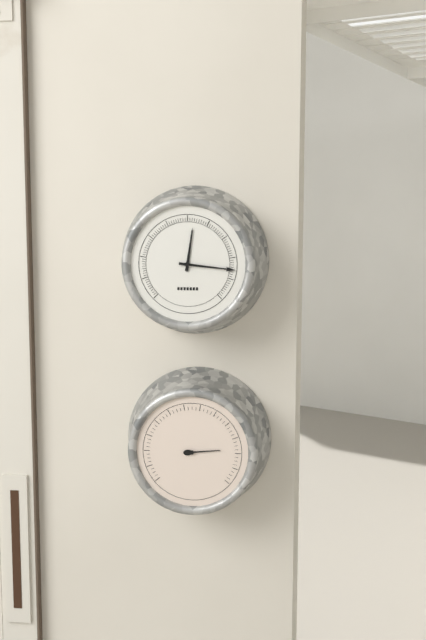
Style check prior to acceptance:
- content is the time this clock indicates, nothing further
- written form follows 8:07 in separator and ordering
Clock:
12:16
